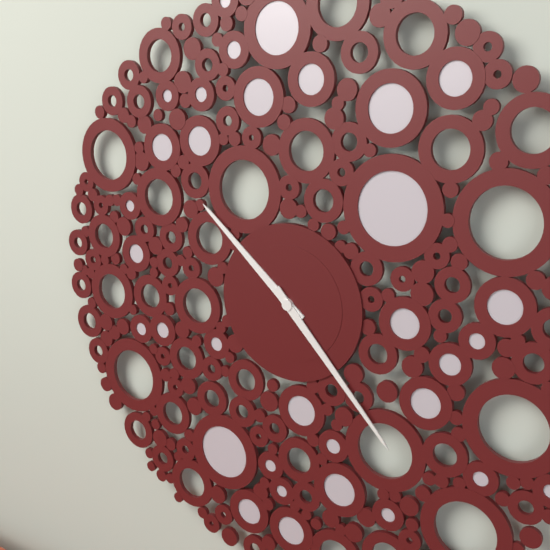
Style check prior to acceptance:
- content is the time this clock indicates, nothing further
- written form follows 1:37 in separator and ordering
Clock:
10:23
